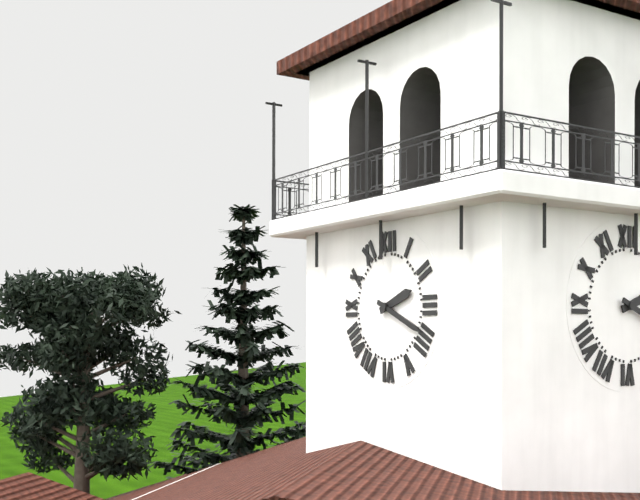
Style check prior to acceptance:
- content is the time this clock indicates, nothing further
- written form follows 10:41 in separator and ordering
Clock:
2:19
